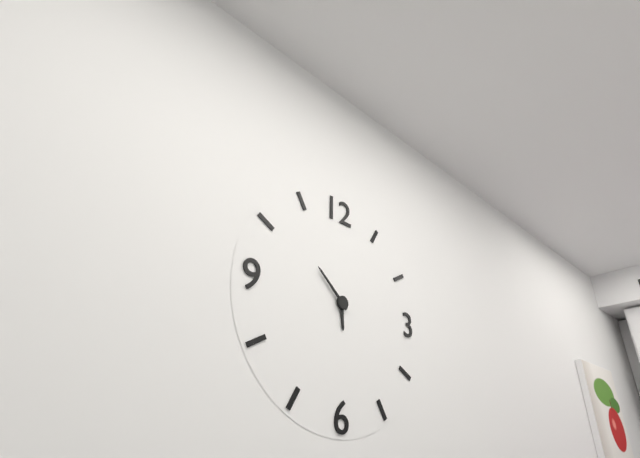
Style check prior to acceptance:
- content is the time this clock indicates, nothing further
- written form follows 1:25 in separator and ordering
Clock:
5:52
